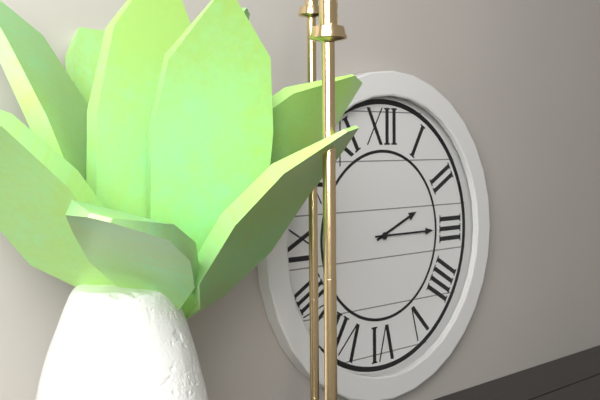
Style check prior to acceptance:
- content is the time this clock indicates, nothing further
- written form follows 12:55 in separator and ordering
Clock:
2:15
